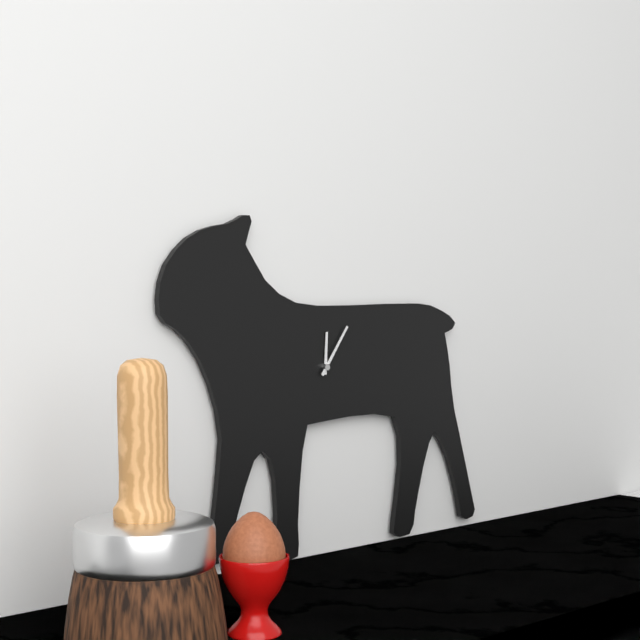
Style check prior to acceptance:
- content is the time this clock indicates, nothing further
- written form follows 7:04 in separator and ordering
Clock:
12:06
